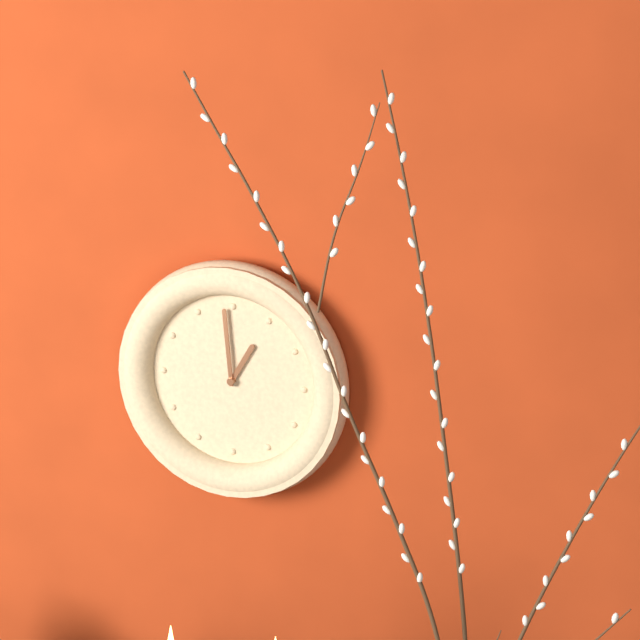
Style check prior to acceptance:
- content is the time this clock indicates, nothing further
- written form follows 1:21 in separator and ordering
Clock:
12:59
